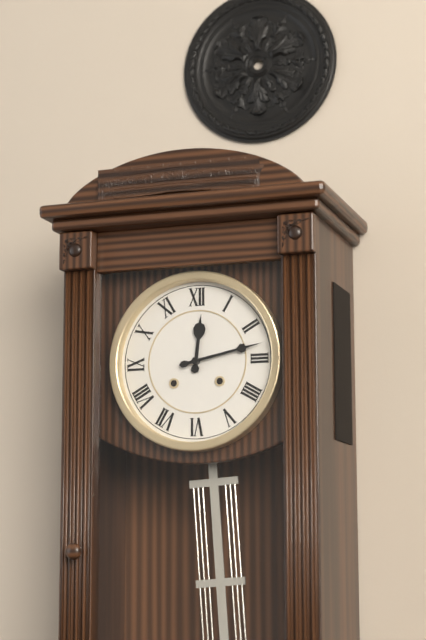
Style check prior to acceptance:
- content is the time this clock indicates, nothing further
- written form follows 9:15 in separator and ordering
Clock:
12:13
